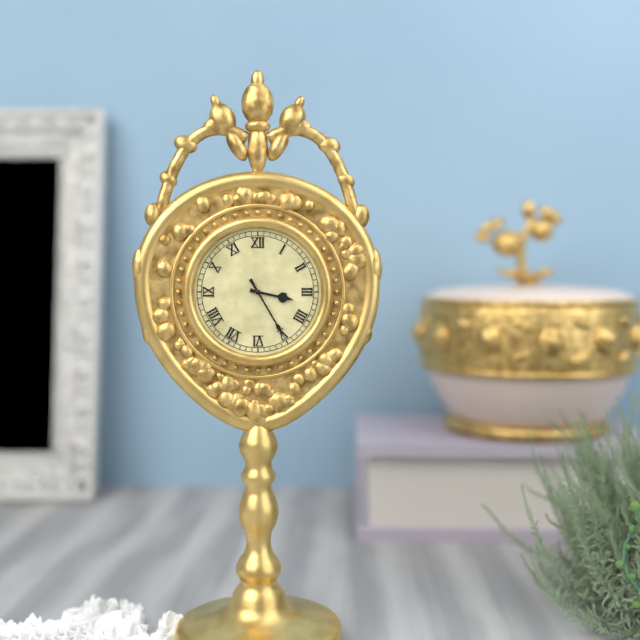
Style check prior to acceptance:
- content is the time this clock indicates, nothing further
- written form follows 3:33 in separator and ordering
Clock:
3:25
